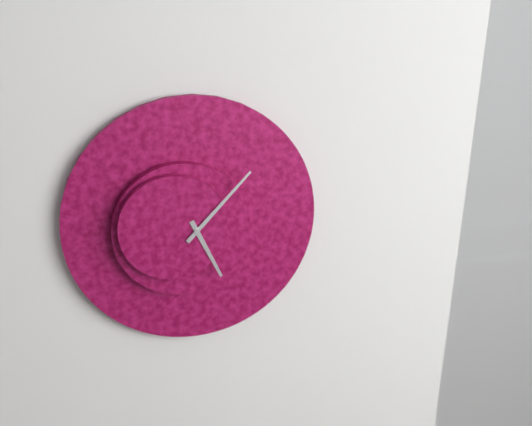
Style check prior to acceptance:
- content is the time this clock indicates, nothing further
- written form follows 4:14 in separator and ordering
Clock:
5:07
